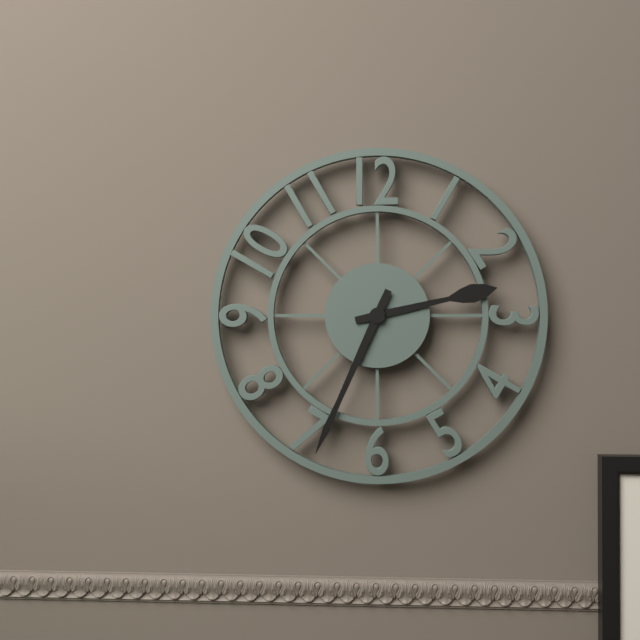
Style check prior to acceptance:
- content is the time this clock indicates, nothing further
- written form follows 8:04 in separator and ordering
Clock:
2:34
